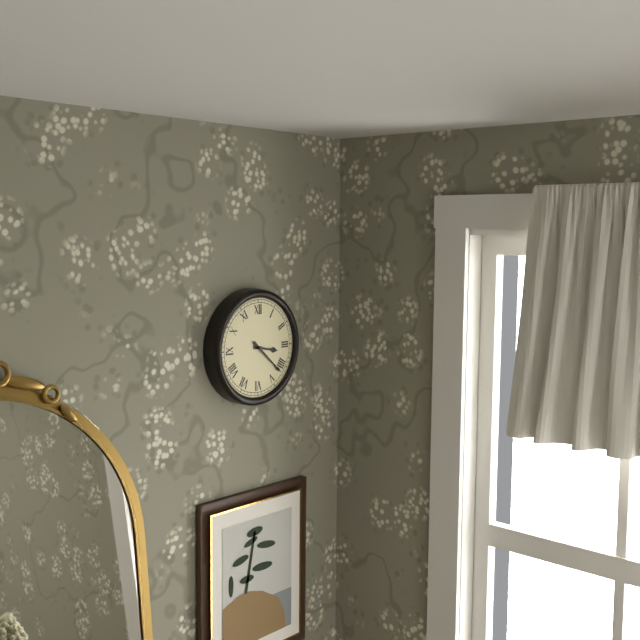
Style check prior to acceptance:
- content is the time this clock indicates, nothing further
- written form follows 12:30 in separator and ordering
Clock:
3:22
